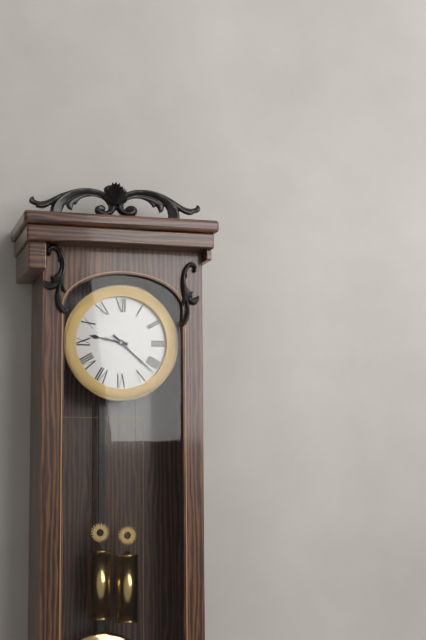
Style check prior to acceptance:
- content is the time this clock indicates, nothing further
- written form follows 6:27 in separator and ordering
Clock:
9:22
